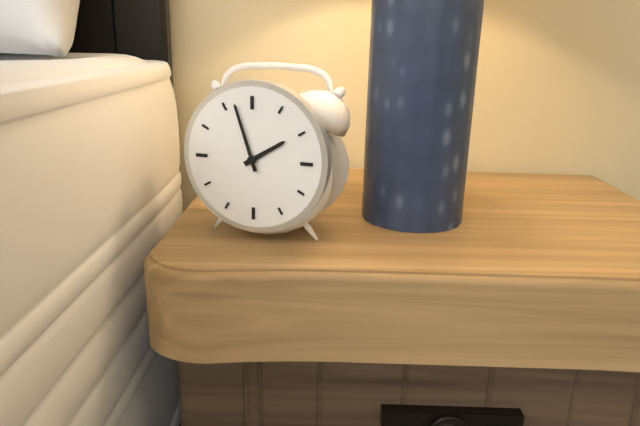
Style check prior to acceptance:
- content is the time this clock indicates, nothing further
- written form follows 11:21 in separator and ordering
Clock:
1:57
